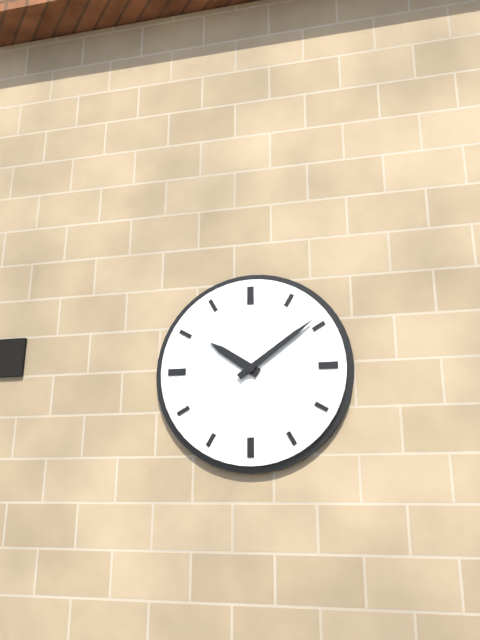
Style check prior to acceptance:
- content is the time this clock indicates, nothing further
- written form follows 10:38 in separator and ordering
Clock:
10:09
